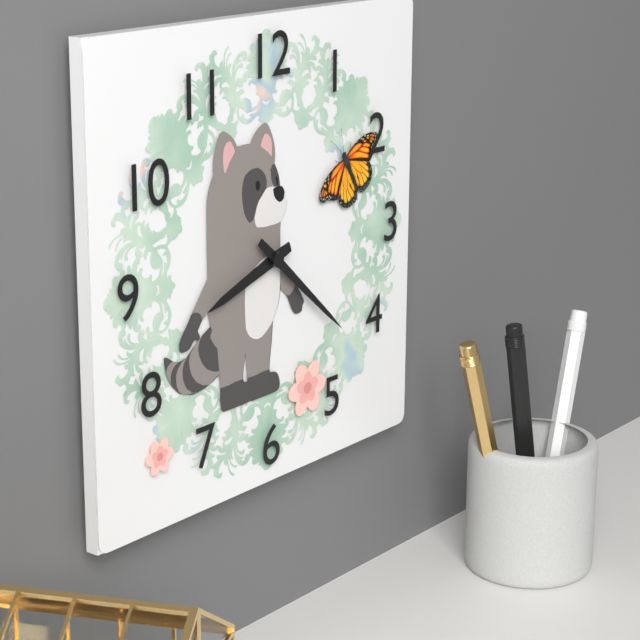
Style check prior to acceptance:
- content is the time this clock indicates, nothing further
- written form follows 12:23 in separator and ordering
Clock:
8:22
